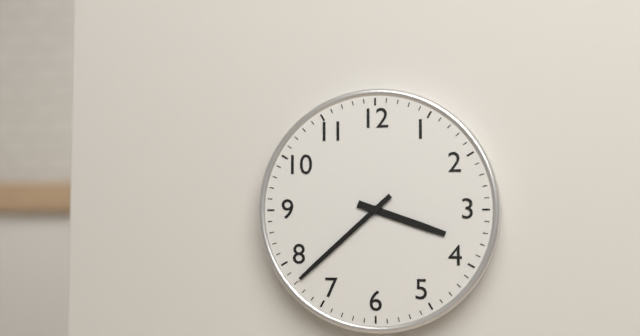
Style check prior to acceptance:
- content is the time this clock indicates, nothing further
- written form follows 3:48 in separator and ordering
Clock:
3:38
